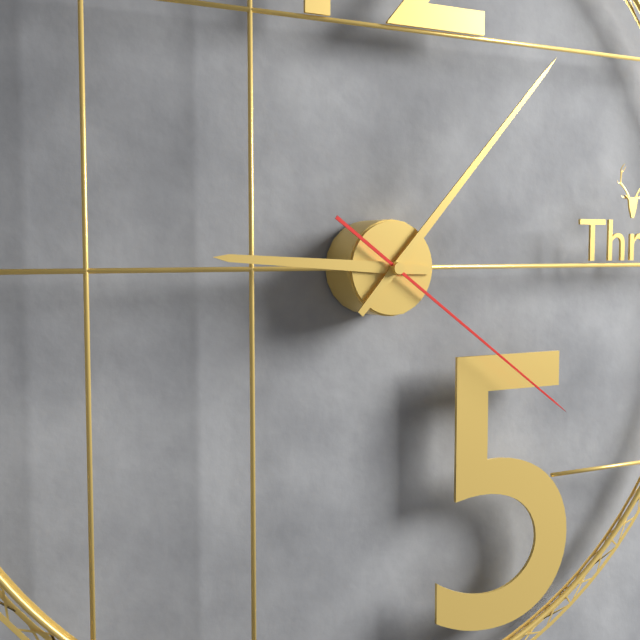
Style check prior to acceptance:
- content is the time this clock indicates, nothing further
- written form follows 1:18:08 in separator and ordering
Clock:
9:07:21
